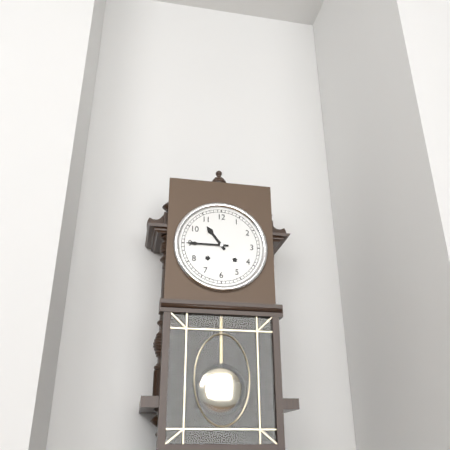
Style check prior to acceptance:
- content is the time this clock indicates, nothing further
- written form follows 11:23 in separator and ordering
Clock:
10:45
